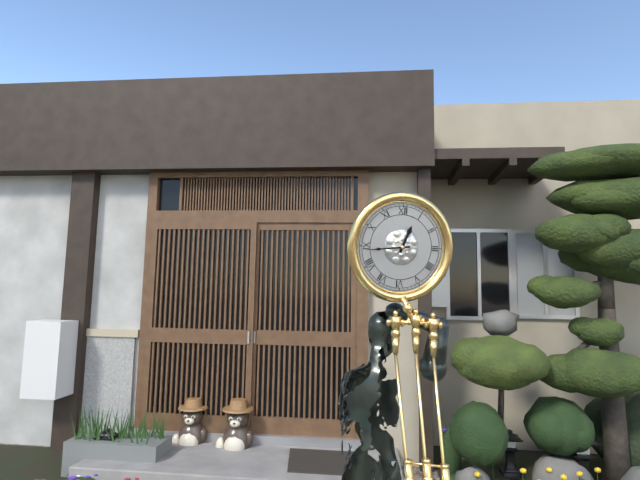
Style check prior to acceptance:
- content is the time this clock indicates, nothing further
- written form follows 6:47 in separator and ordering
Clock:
12:44
